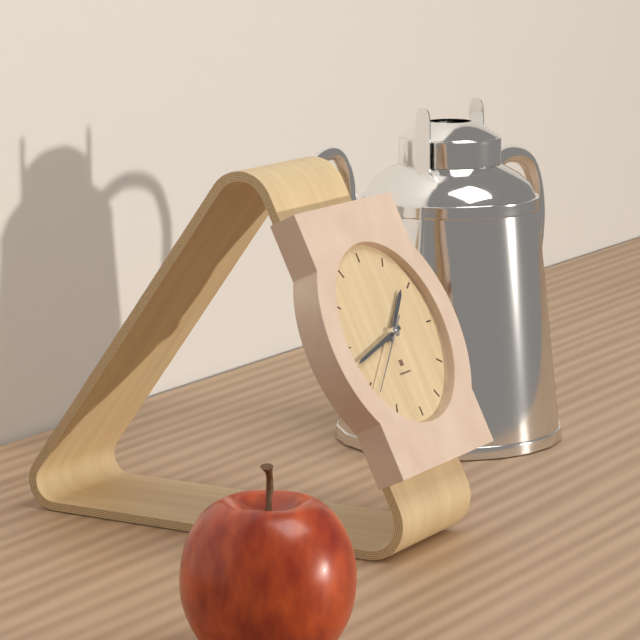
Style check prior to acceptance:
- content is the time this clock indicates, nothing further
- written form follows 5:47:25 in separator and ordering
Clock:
1:43:39
